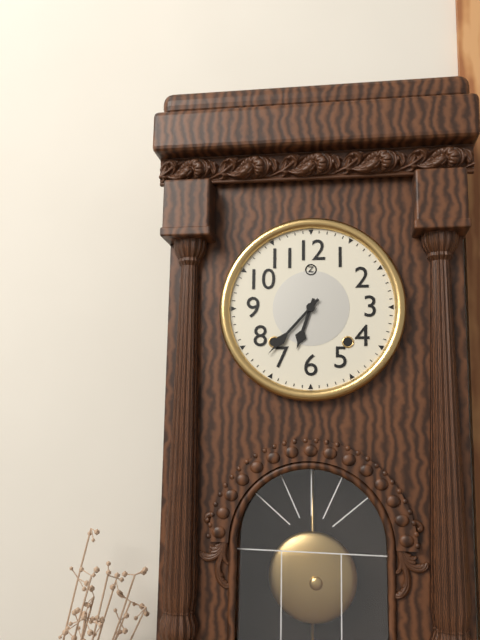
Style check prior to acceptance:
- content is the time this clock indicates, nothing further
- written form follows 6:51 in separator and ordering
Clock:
6:37
